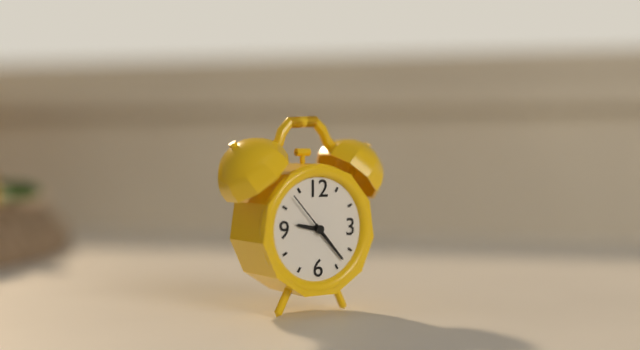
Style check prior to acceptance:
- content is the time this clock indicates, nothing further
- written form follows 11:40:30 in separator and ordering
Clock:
9:23:53
